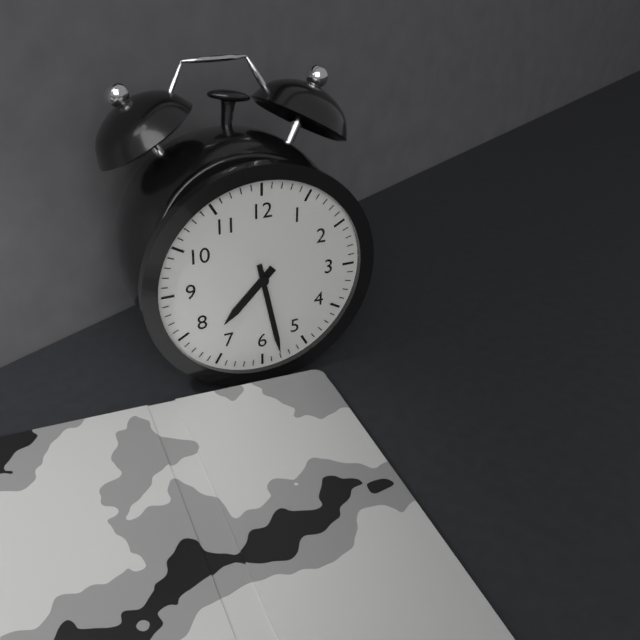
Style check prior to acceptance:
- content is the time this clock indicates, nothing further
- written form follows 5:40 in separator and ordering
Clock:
7:28
